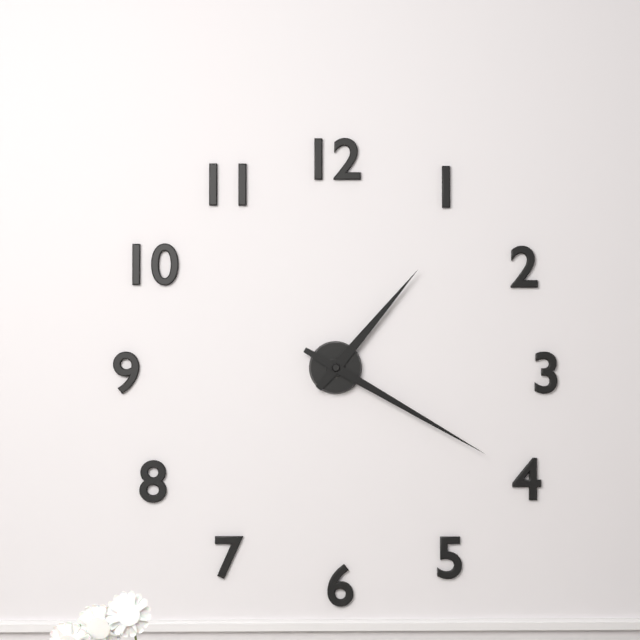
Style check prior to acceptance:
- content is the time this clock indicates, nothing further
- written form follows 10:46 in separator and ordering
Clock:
1:20
